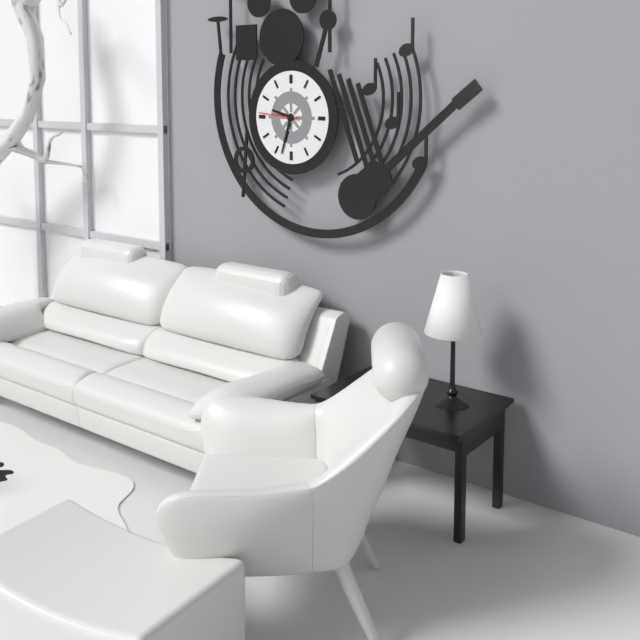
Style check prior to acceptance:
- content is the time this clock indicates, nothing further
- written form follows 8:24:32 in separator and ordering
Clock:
9:33:46
